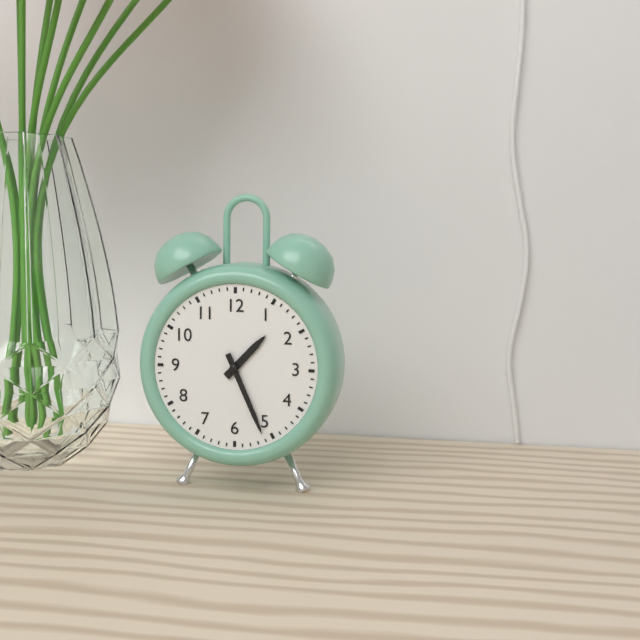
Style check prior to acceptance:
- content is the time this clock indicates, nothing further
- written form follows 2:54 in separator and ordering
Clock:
1:26
